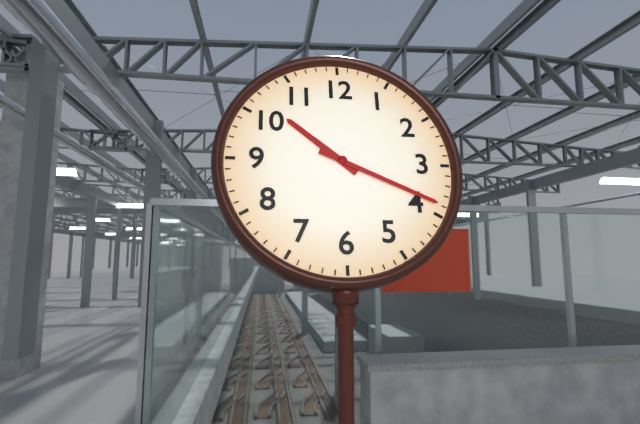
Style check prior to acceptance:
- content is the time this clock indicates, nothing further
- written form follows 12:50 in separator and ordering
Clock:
10:19
